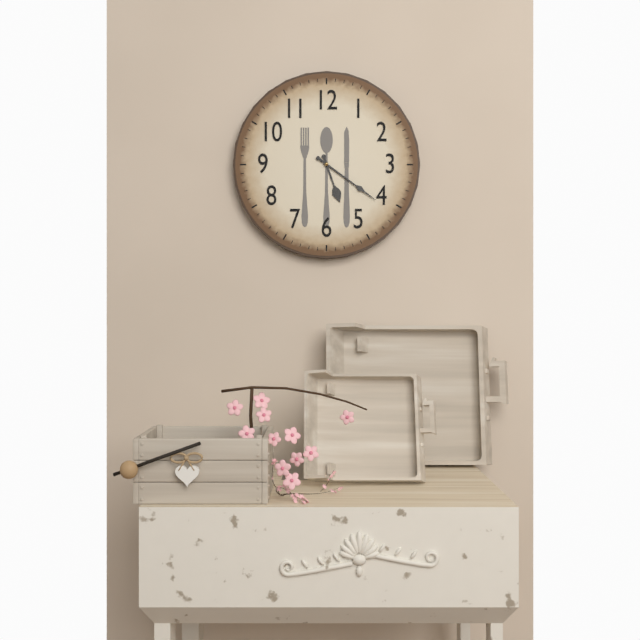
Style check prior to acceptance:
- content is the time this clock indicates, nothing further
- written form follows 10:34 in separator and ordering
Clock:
5:21
